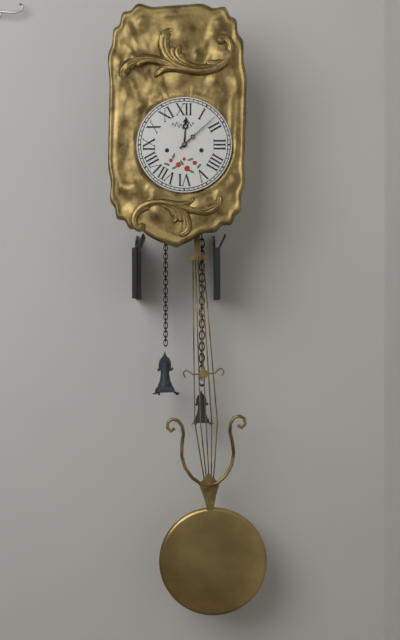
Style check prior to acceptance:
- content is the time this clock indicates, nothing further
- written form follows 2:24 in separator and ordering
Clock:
12:08
